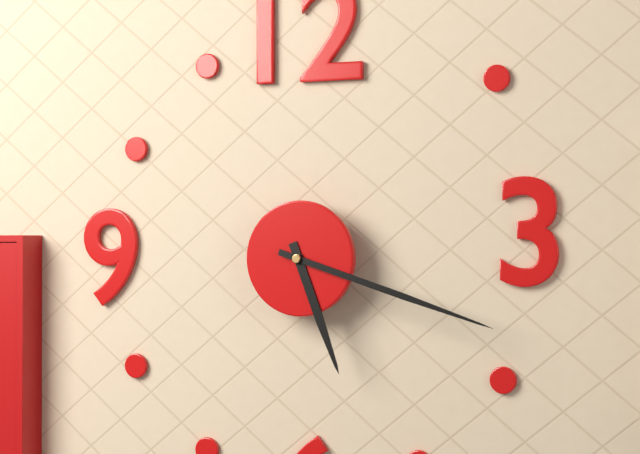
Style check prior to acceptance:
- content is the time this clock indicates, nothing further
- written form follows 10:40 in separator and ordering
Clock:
5:18
